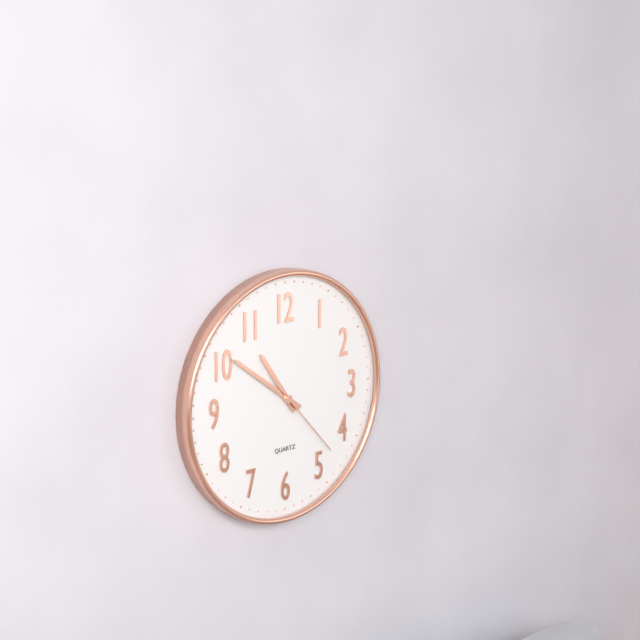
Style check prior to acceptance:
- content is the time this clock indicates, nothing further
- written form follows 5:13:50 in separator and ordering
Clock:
10:51:23
